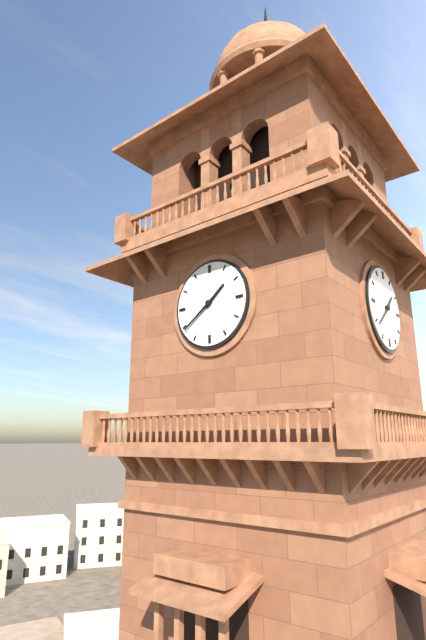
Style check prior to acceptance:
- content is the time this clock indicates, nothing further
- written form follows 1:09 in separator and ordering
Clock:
1:39
